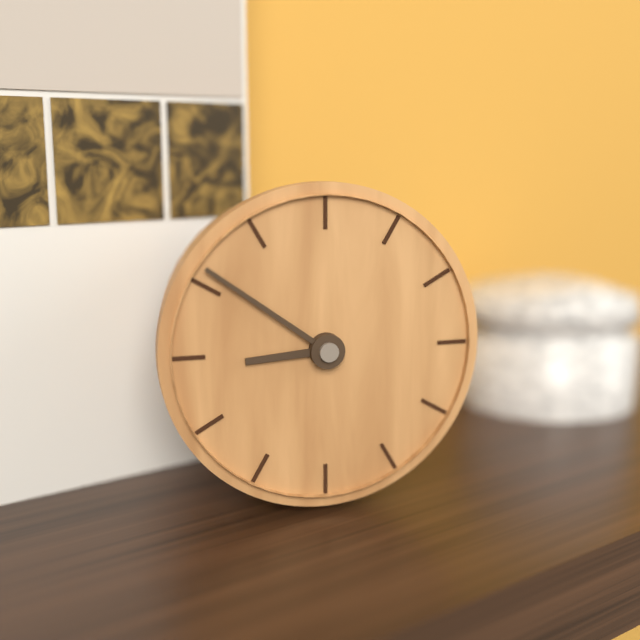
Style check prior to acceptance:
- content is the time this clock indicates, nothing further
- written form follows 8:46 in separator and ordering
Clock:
8:51
